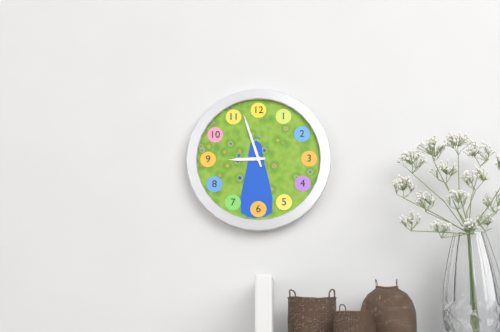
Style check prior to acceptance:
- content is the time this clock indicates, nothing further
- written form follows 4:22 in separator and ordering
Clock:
8:57
